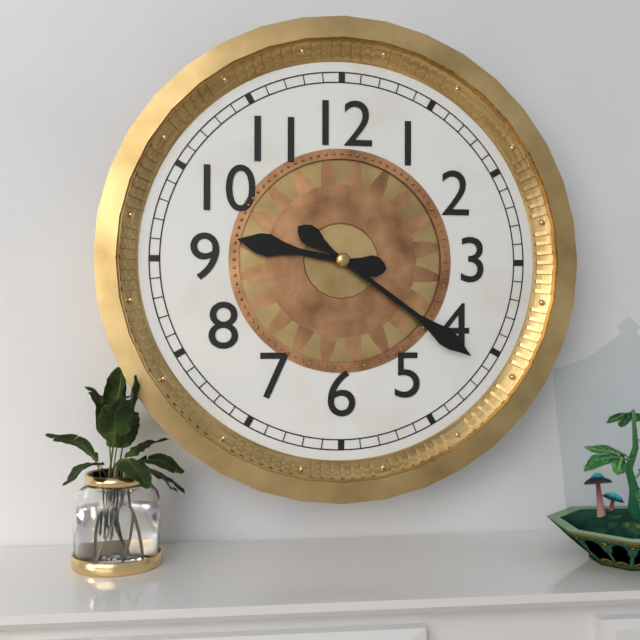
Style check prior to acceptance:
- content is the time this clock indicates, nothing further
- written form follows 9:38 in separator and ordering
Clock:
9:21
